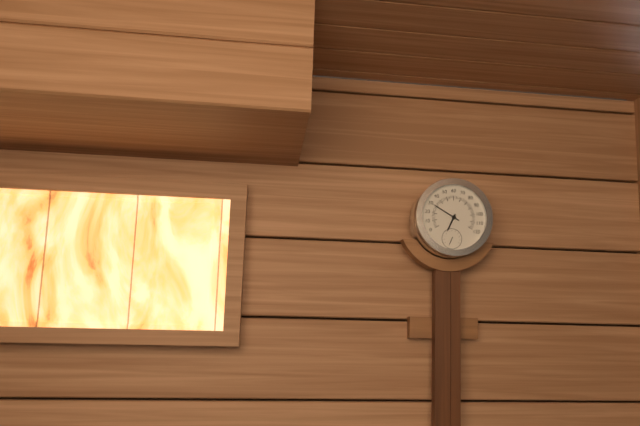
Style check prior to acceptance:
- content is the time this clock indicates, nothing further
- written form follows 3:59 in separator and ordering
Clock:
6:50
